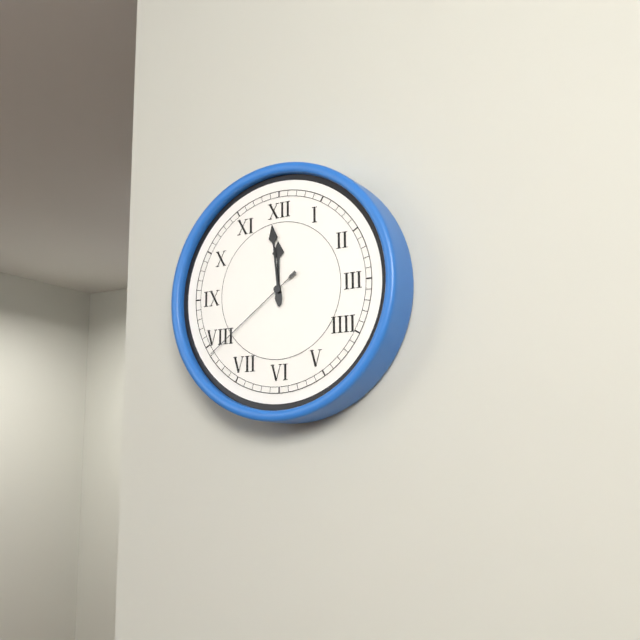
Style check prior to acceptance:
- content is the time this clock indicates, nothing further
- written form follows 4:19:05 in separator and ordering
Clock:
11:59:39
